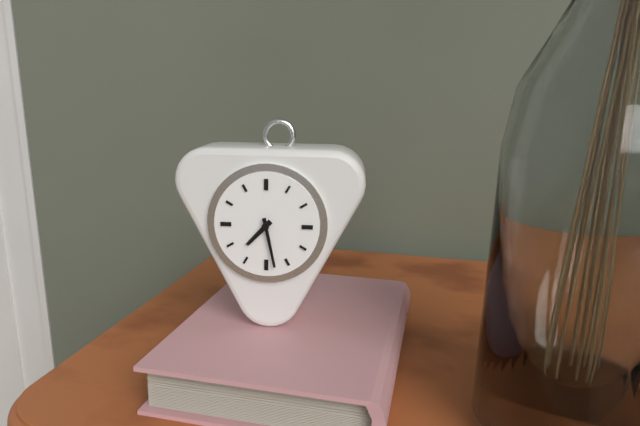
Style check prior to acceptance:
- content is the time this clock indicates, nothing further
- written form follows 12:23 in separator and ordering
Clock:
7:28
